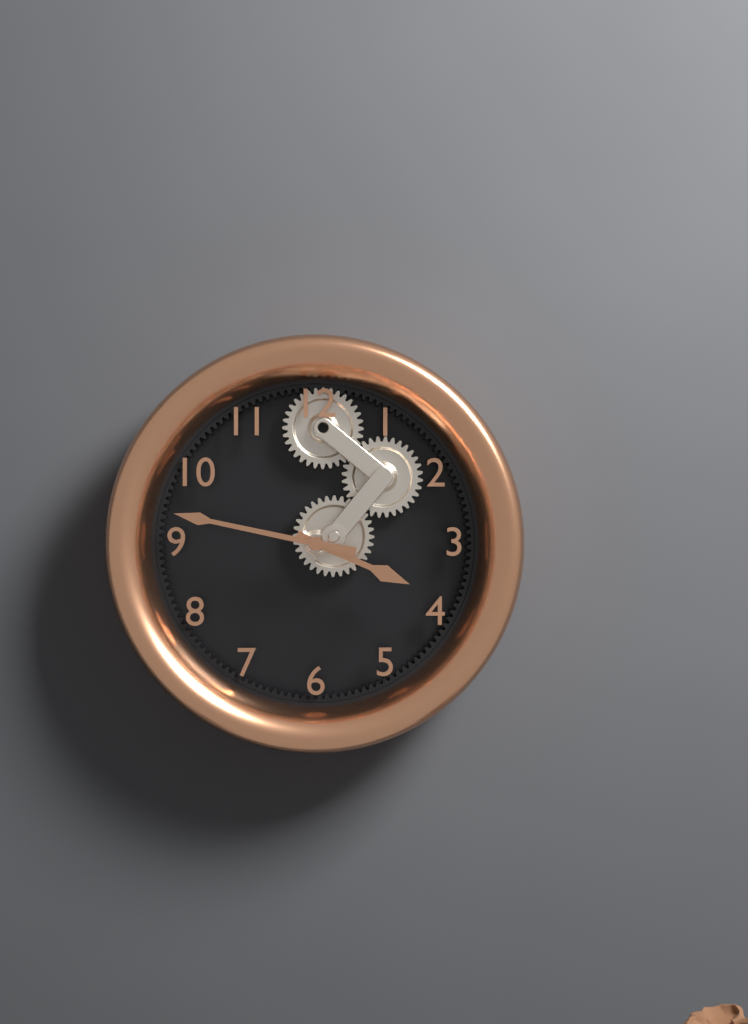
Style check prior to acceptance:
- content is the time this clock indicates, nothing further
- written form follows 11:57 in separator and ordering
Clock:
3:47
